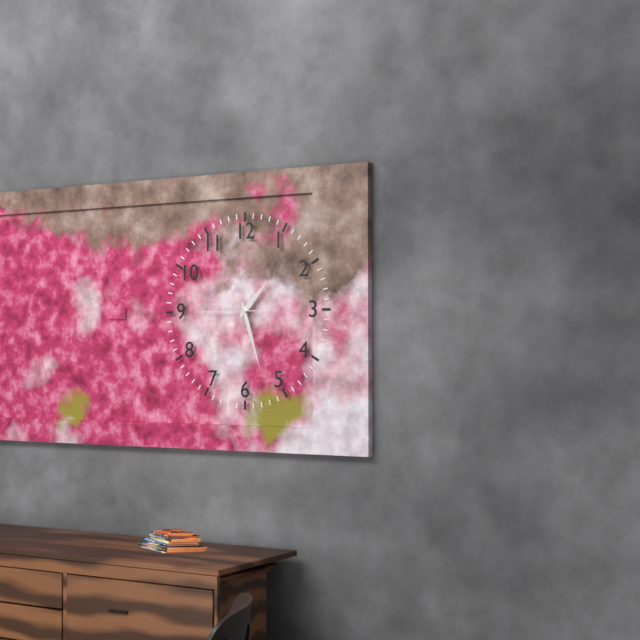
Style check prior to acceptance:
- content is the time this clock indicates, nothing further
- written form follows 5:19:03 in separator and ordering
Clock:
1:27:45
